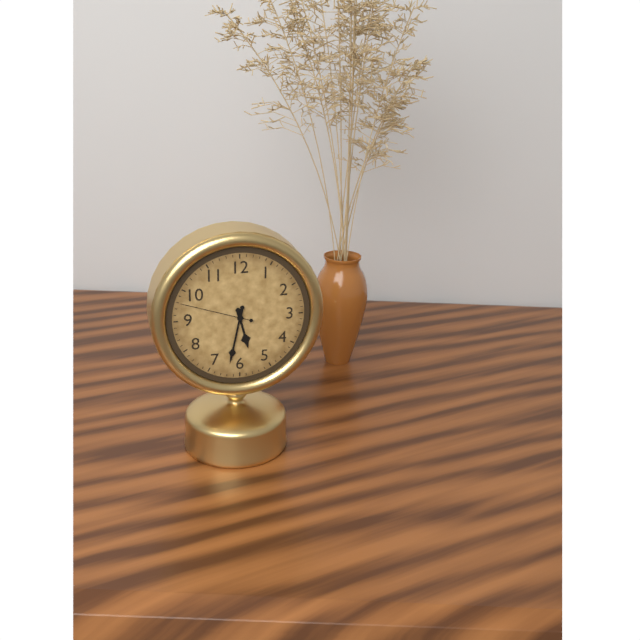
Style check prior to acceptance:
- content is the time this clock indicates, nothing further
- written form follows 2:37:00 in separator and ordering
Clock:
5:32:48
